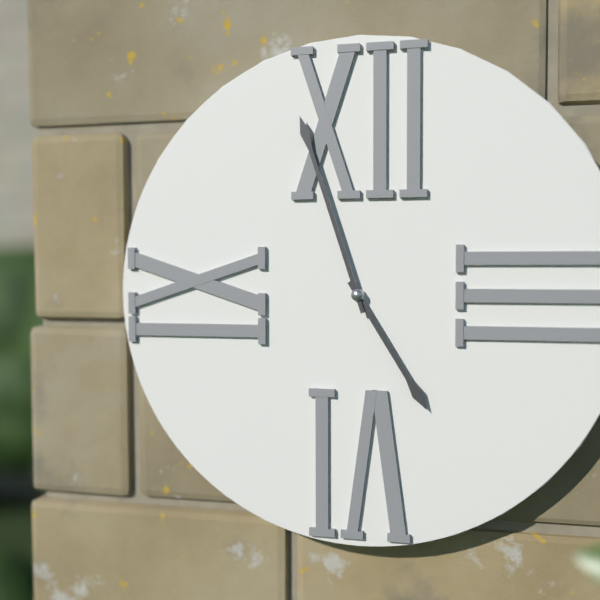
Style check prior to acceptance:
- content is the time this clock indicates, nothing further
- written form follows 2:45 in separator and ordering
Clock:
4:57
